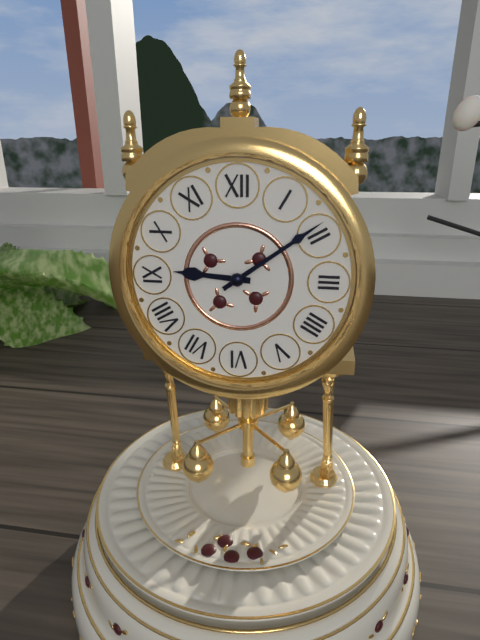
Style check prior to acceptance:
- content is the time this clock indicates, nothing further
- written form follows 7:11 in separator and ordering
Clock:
9:09
